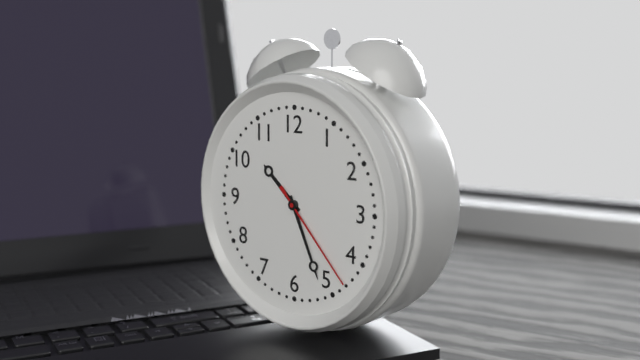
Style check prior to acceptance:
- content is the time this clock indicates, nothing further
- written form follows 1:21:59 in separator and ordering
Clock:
10:26:23
